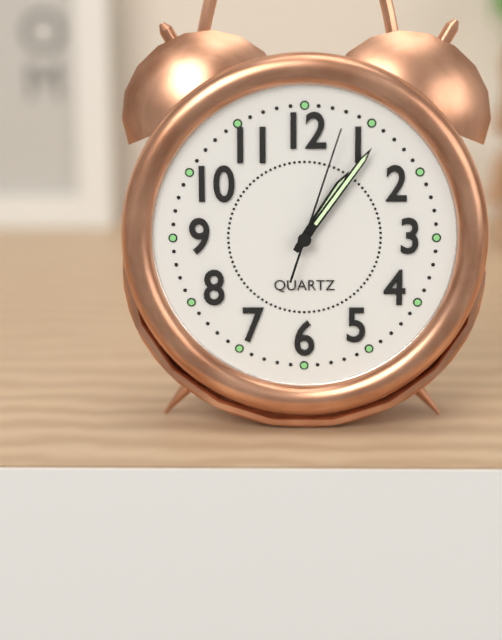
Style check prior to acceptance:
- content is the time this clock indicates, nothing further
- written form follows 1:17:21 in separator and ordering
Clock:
1:06:03
